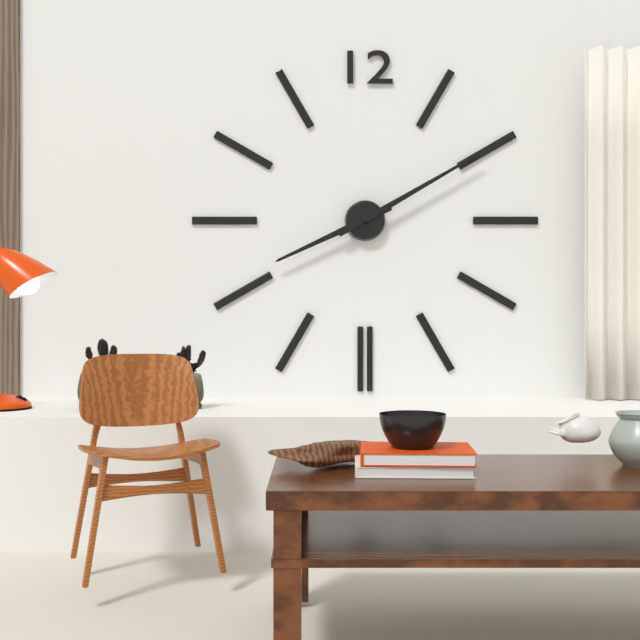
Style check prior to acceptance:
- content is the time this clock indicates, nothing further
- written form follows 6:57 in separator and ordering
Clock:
8:10
